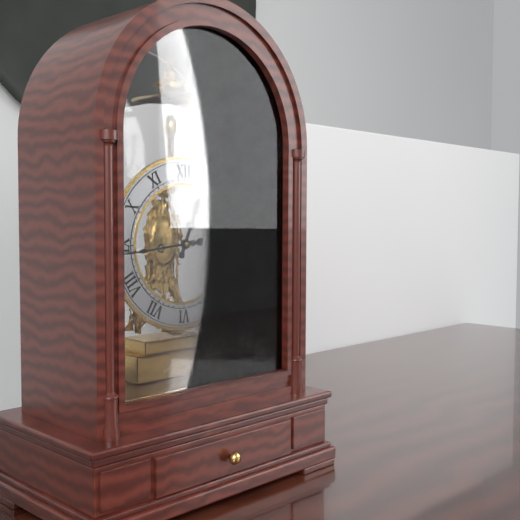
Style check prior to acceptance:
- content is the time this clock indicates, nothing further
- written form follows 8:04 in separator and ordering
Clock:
12:44
